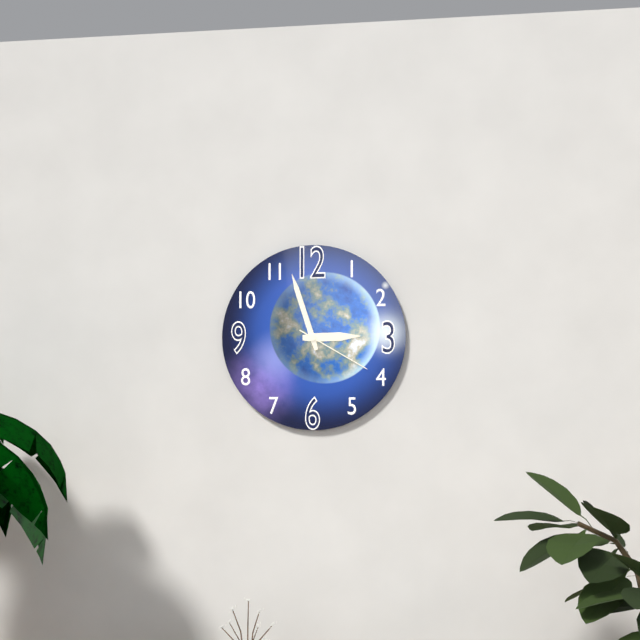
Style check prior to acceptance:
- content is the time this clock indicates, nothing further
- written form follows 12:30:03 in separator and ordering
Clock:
2:57:20
